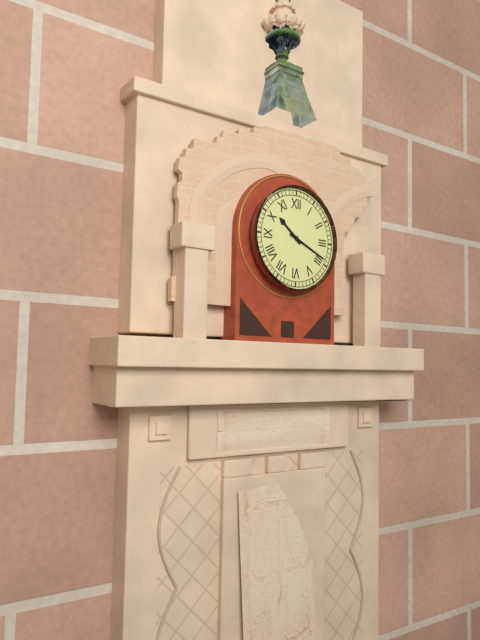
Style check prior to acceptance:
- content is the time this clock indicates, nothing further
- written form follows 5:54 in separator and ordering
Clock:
10:19
